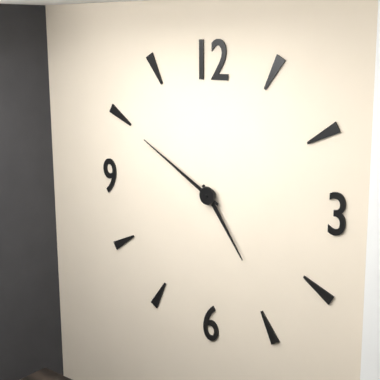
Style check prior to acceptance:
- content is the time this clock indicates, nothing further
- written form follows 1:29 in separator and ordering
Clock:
4:50
